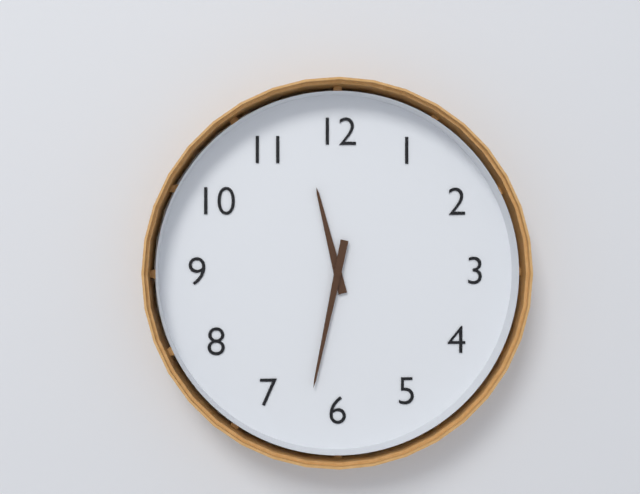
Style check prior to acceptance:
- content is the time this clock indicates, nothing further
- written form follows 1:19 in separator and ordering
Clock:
11:32
